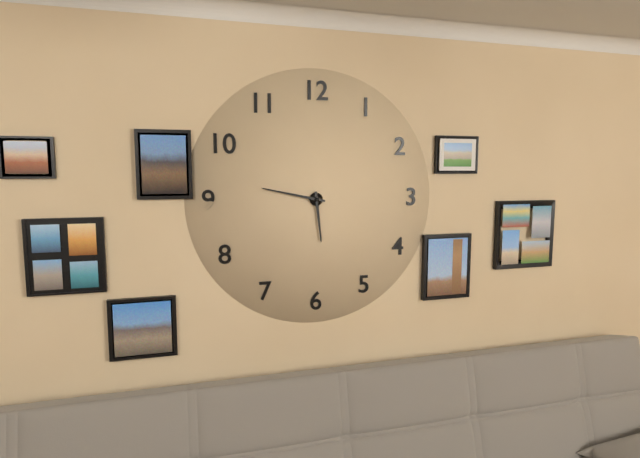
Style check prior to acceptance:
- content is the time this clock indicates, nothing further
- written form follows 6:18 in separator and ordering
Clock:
5:47
